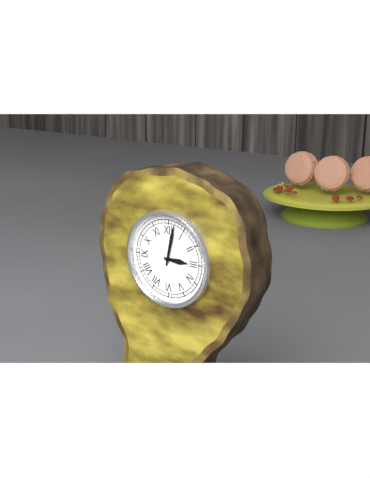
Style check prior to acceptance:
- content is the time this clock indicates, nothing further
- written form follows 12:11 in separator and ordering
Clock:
3:02
